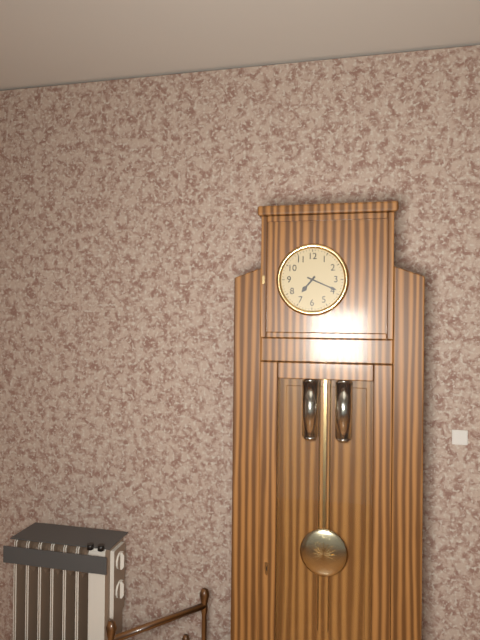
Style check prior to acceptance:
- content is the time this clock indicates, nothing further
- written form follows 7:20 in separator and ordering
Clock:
7:19
